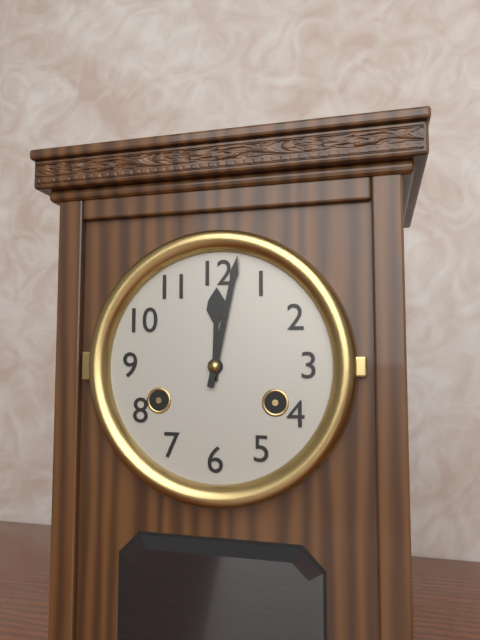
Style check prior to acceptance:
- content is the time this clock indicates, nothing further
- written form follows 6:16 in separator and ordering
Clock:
12:02
